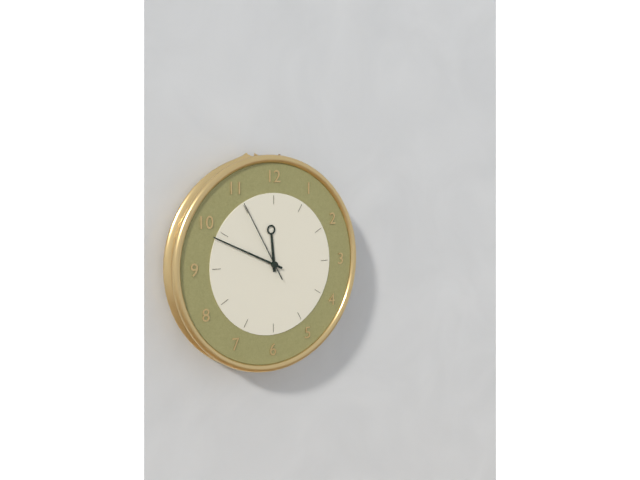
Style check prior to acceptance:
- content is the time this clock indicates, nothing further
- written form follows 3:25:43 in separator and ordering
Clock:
11:49:55
